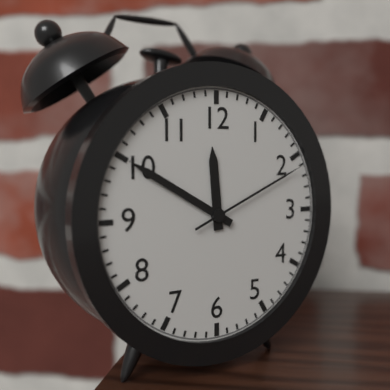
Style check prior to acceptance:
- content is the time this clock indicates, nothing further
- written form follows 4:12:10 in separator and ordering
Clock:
11:50:11
